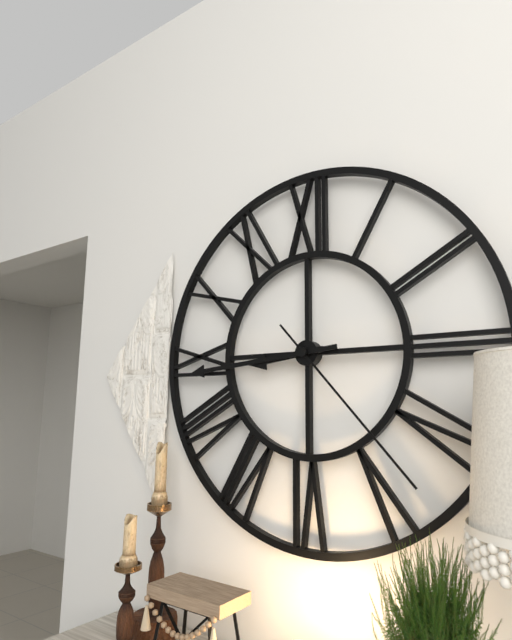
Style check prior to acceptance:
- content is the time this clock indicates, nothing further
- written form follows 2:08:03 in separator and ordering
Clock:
8:44:23
